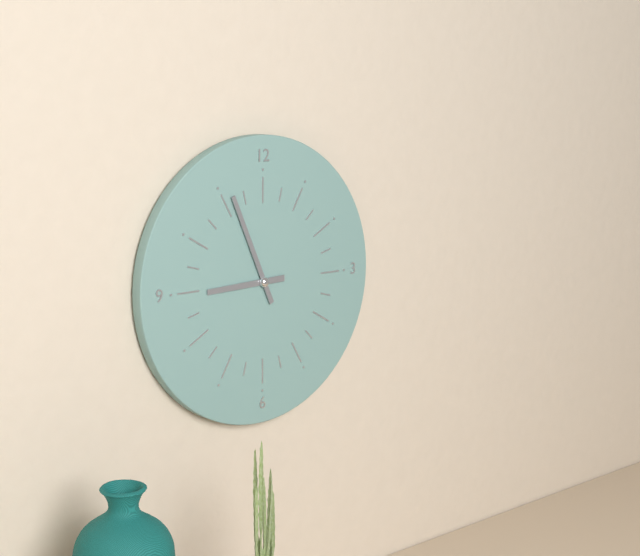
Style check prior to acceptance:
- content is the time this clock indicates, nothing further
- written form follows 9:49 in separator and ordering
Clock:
8:56
